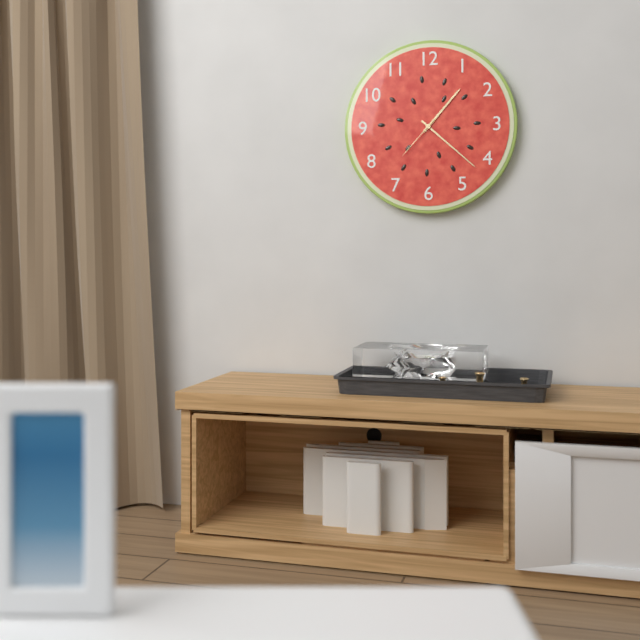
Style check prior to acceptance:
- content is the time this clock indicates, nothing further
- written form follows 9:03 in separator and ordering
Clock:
1:22
